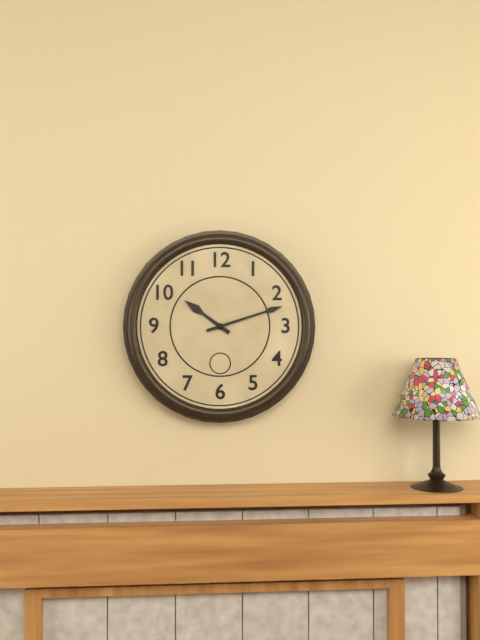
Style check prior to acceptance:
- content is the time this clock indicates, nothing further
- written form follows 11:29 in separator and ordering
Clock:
10:12
